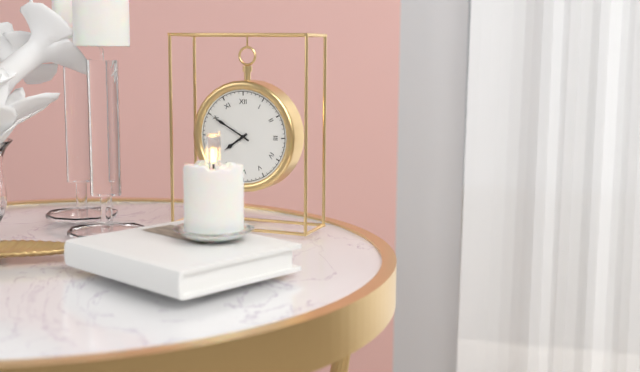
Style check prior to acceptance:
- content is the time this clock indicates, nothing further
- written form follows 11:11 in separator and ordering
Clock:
7:50
